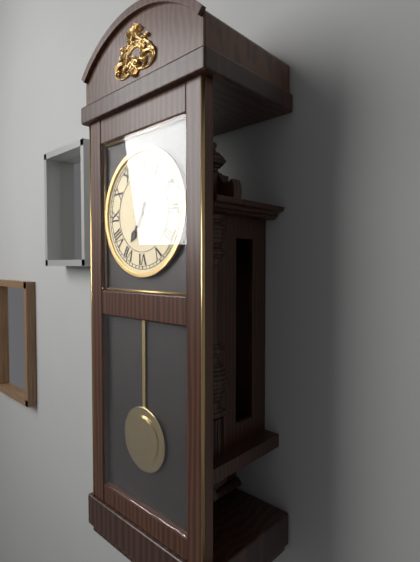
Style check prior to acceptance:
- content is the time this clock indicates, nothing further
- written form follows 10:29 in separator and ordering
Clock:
7:04
